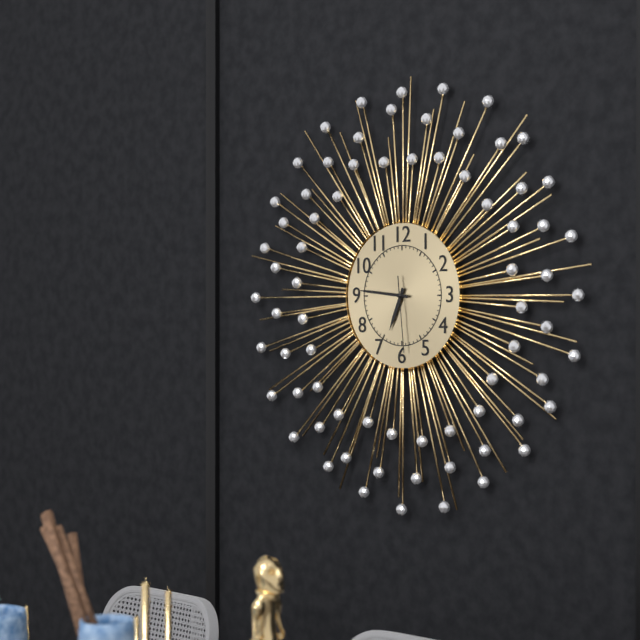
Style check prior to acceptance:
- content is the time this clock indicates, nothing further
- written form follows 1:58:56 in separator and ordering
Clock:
6:46:29
